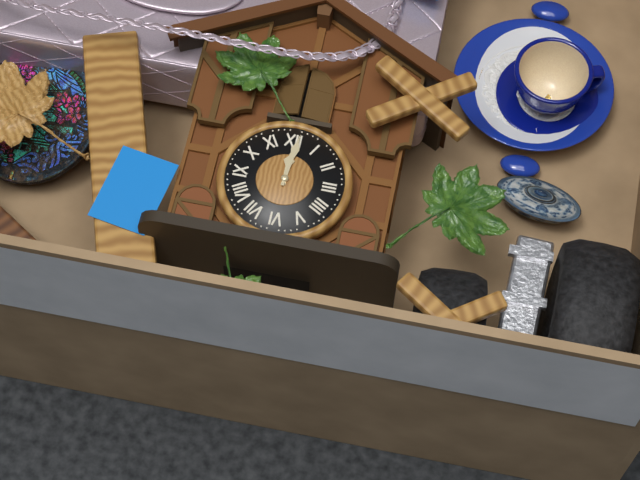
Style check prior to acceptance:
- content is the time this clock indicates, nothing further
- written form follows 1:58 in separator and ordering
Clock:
12:01
